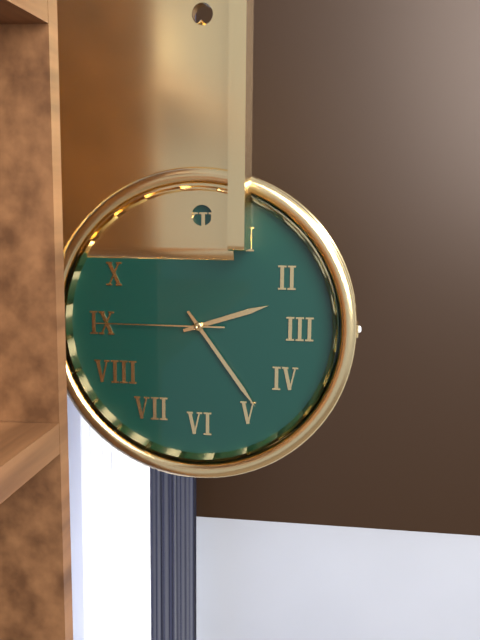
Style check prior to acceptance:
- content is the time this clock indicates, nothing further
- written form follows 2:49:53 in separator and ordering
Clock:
2:24:45
